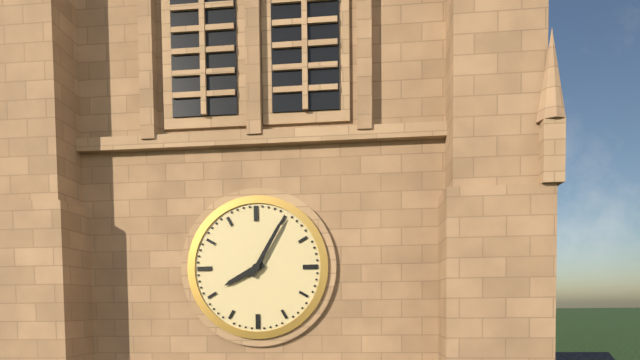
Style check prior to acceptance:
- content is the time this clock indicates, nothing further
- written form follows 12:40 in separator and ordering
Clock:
8:05
